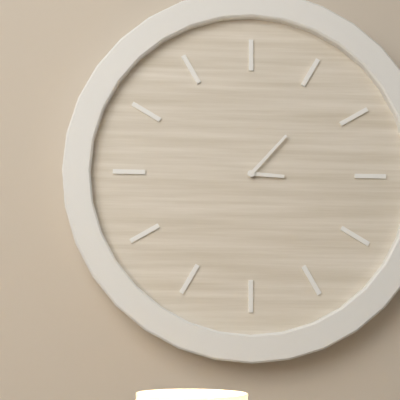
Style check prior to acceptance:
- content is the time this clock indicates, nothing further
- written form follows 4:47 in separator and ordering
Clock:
3:07
